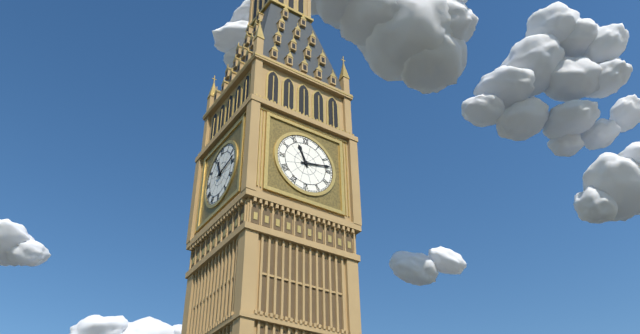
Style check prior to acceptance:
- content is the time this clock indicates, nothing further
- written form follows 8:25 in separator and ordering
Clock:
11:13
